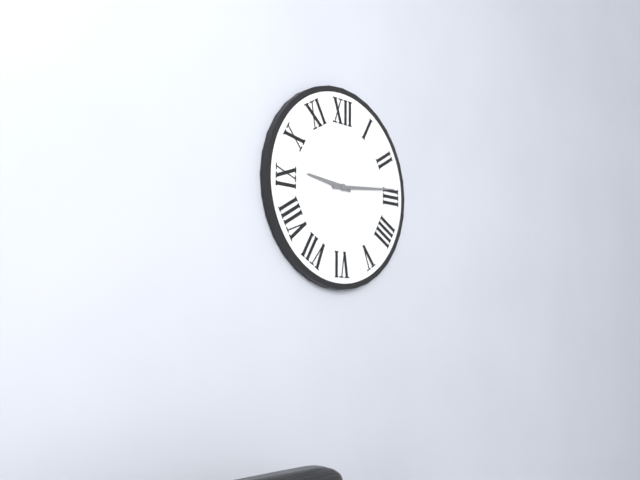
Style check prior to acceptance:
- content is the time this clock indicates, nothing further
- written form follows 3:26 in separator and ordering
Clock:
9:14
